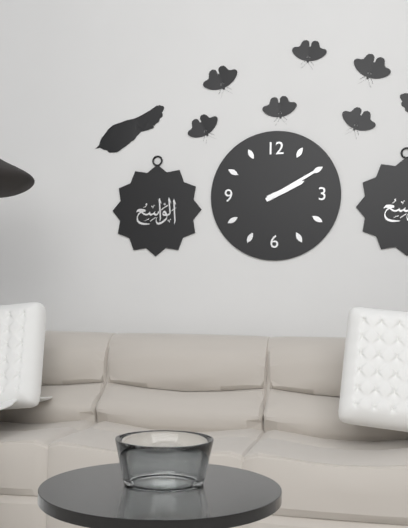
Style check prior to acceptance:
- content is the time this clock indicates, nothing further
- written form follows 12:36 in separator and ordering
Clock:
2:10
